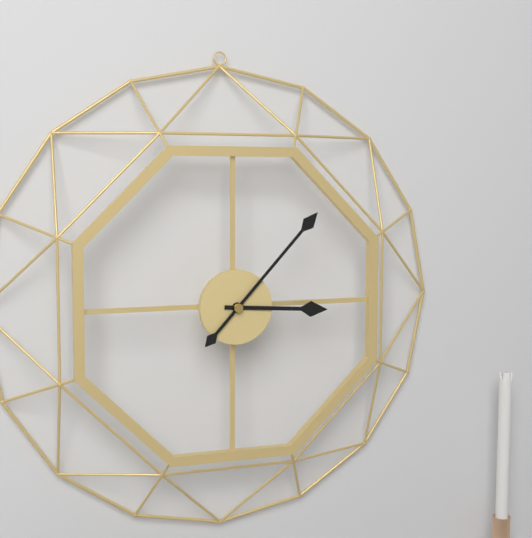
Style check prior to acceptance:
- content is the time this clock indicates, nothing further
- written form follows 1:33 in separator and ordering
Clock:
3:07
